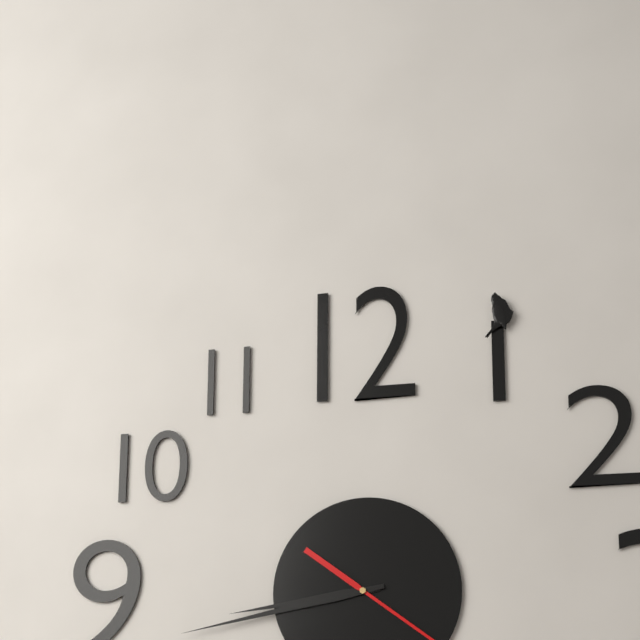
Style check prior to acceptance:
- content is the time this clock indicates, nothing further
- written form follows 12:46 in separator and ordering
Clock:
8:43
